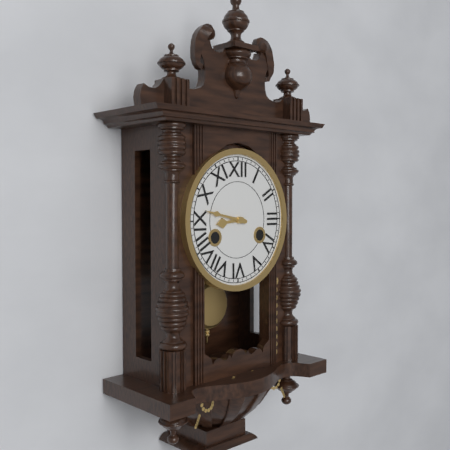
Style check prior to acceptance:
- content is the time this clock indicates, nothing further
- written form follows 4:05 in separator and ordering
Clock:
8:47
